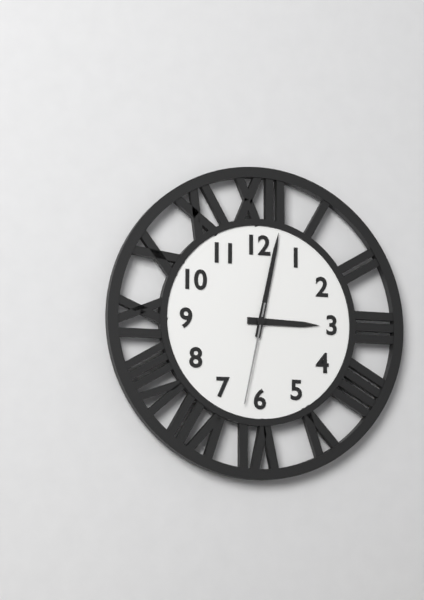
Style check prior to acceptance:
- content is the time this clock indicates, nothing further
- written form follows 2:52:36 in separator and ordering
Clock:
3:02:32
